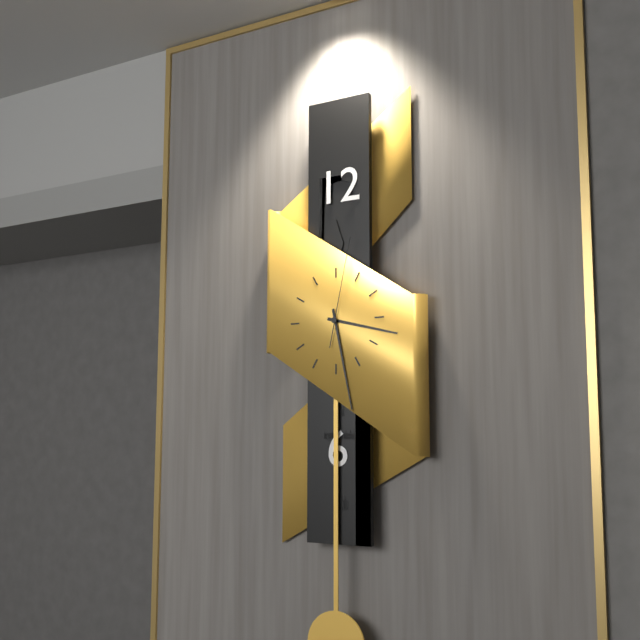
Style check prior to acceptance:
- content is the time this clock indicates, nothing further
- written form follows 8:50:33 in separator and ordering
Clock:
3:28:02
